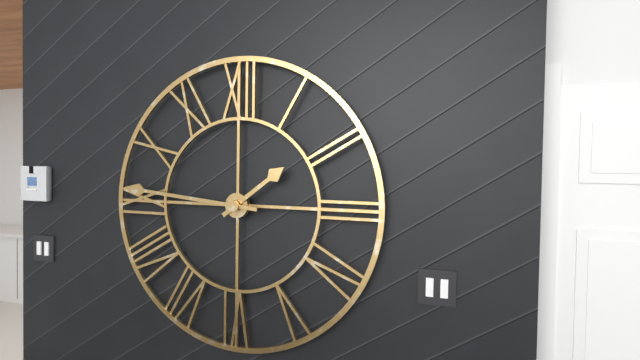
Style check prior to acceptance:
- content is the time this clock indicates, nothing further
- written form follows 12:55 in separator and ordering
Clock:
1:46
